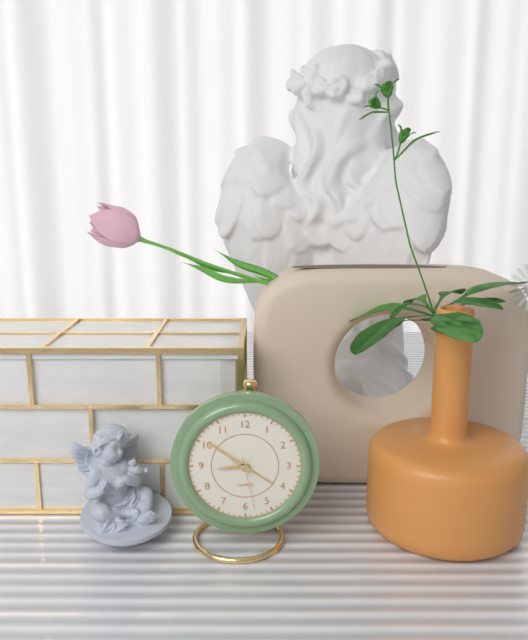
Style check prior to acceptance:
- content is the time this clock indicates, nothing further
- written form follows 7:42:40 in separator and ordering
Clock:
8:51:28
